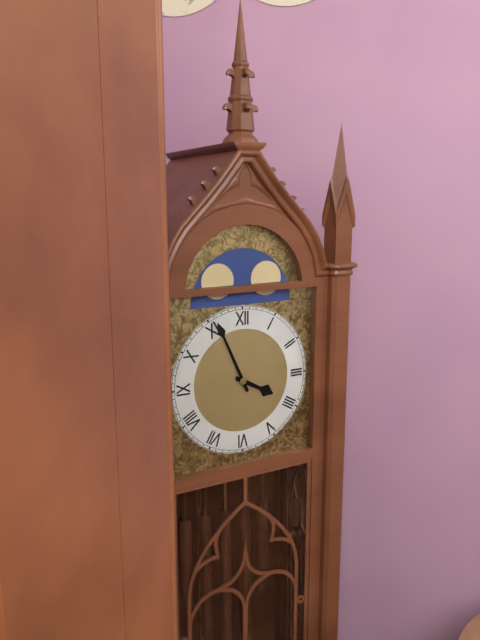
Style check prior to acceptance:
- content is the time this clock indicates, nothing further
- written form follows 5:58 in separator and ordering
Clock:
3:56
